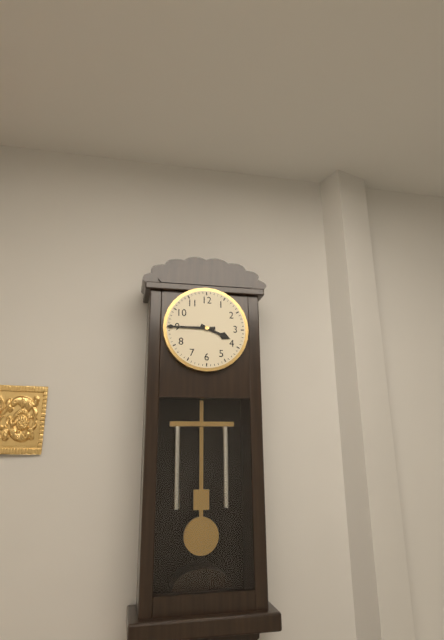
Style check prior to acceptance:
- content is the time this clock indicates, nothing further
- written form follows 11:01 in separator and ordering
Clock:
3:45
